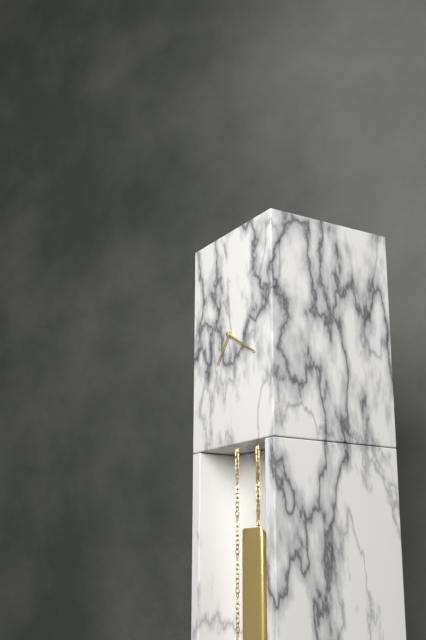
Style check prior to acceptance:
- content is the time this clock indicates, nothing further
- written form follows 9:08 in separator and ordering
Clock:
7:20
